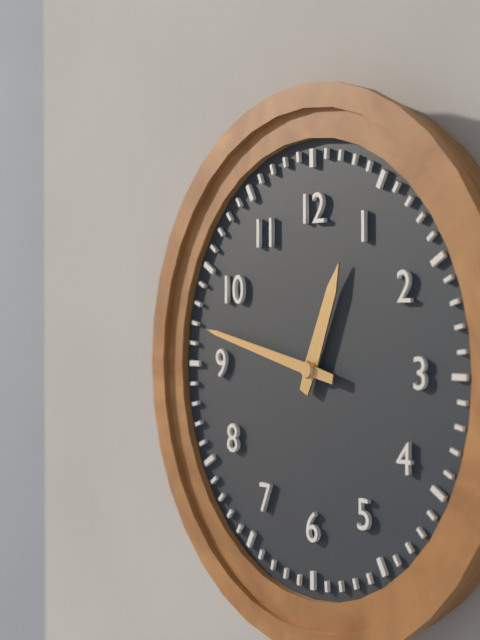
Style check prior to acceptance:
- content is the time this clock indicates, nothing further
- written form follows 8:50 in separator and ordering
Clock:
12:47
